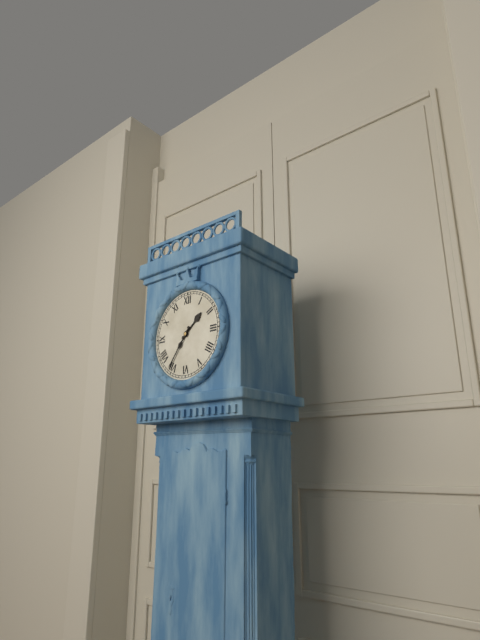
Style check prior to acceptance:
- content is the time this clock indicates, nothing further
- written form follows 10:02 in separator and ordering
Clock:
1:36
